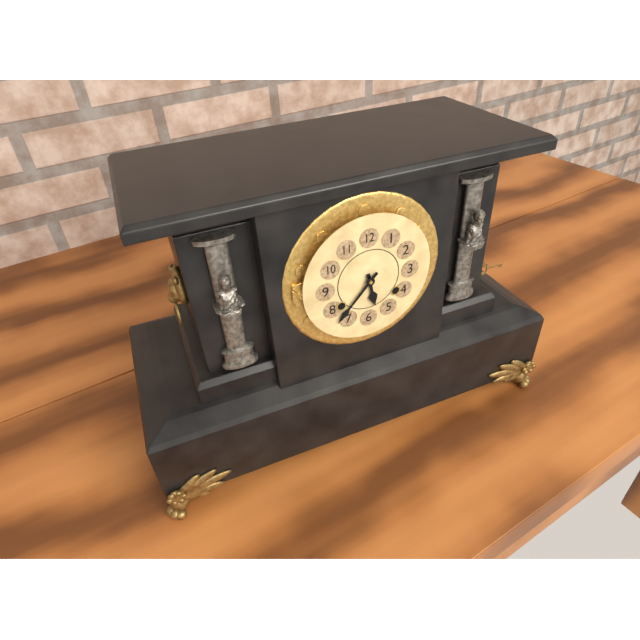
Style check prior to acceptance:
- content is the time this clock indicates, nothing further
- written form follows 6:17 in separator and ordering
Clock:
5:37
